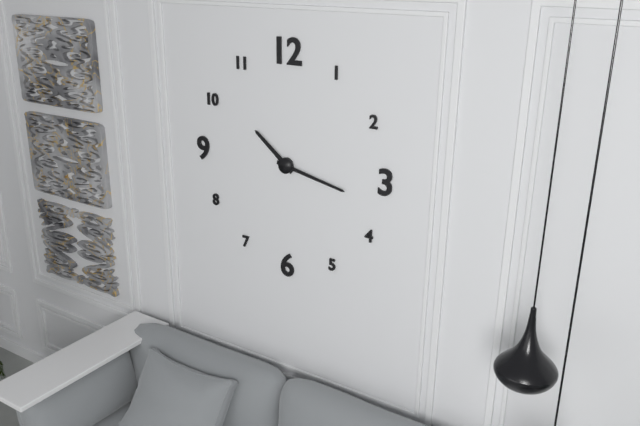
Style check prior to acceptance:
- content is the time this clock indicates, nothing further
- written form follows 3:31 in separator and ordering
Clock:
10:17
